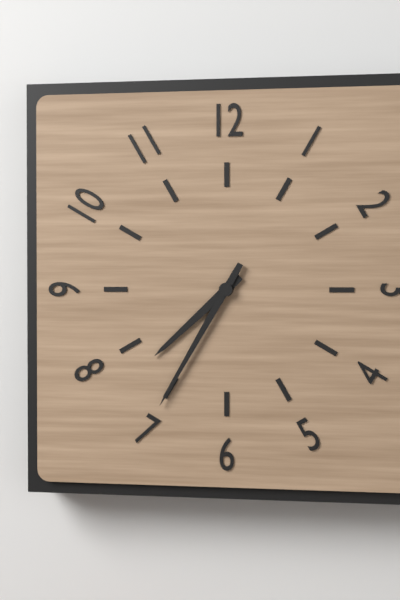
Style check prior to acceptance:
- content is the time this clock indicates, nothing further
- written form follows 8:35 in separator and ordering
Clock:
7:35
